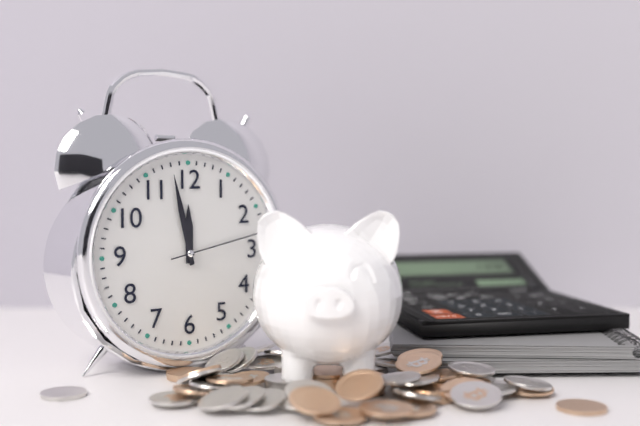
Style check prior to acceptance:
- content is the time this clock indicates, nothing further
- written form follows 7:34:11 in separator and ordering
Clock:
11:58:13
